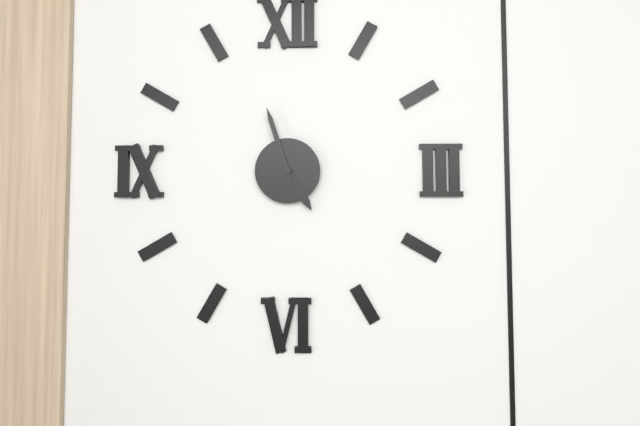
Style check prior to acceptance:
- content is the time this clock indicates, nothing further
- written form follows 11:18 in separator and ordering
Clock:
4:57
